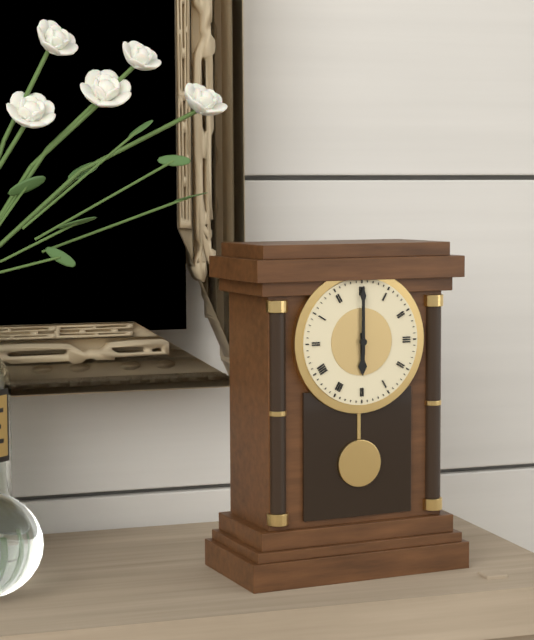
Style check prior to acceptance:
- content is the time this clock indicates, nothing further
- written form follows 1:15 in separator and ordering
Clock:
6:00
